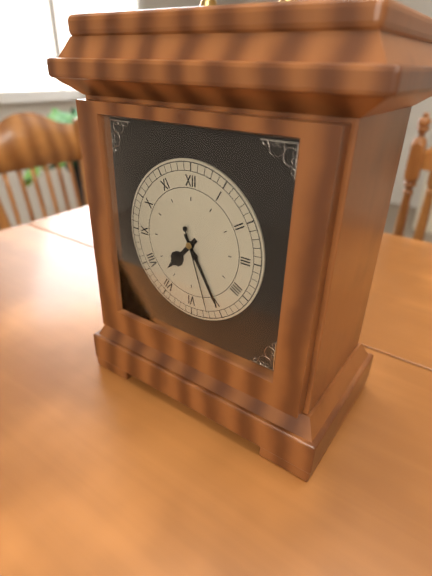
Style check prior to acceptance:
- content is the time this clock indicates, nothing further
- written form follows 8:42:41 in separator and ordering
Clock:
7:25:27
